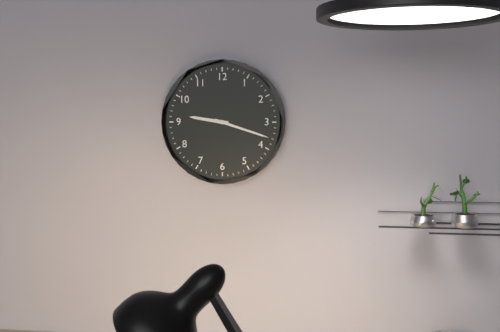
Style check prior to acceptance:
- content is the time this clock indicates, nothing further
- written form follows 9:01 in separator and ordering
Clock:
9:18
